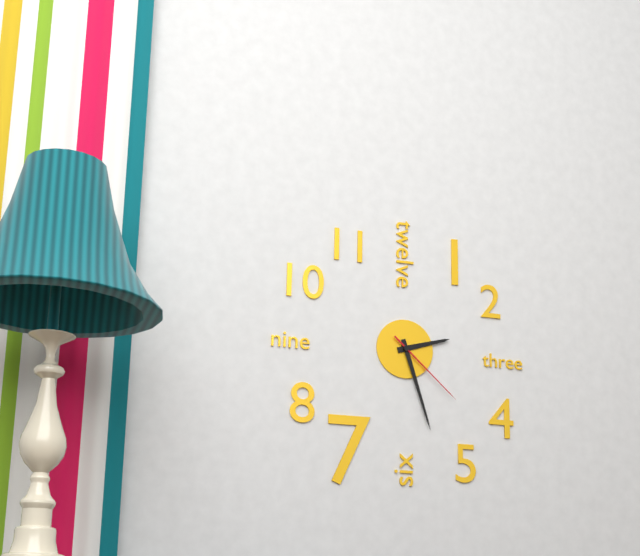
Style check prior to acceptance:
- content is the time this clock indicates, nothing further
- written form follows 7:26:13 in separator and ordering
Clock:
2:27:22
